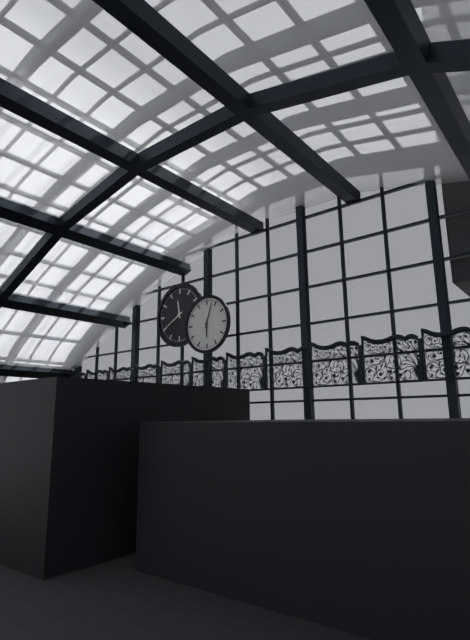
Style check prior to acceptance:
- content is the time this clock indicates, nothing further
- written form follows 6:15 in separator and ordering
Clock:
6:03
